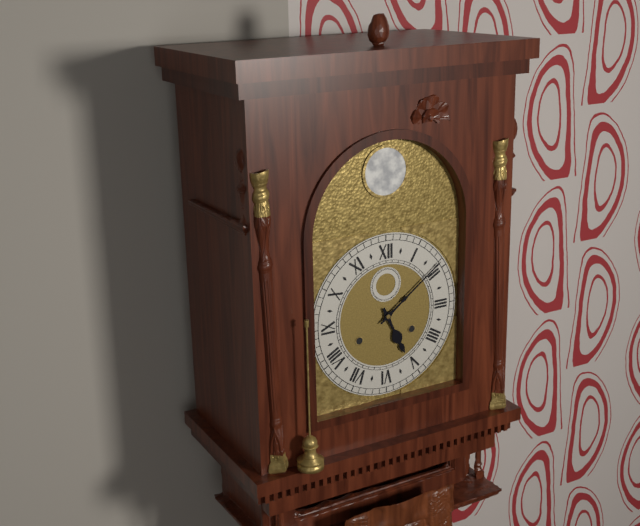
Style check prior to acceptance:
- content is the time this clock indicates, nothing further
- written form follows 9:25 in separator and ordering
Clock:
5:09
